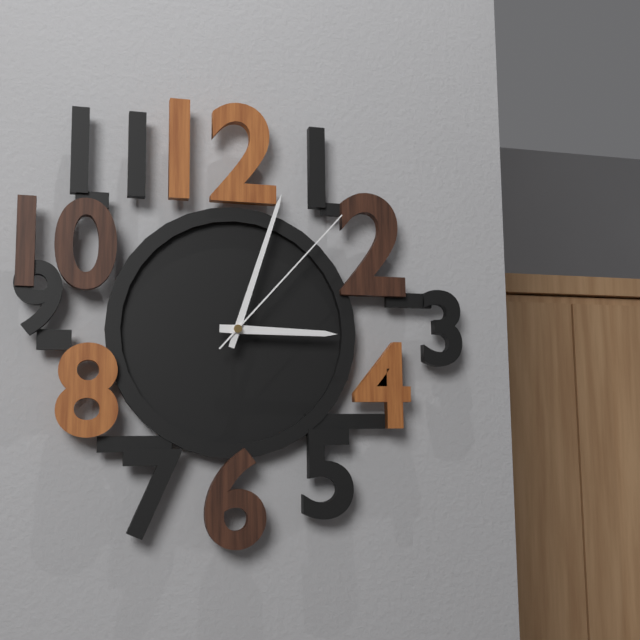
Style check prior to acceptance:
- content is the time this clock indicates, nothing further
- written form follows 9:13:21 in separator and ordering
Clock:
3:03:07
